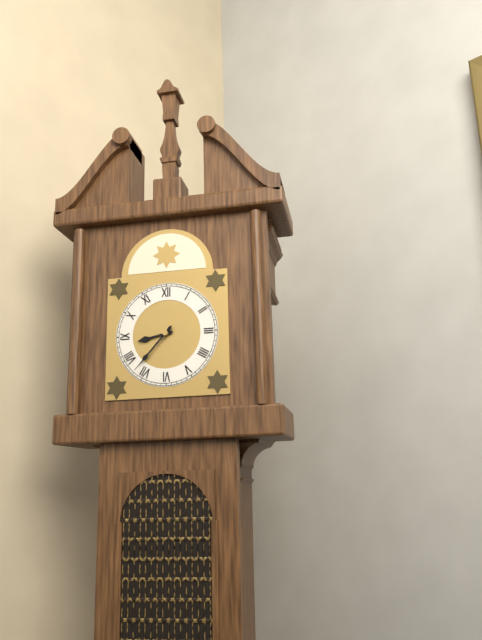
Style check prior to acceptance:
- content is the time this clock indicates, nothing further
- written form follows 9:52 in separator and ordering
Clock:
8:37
